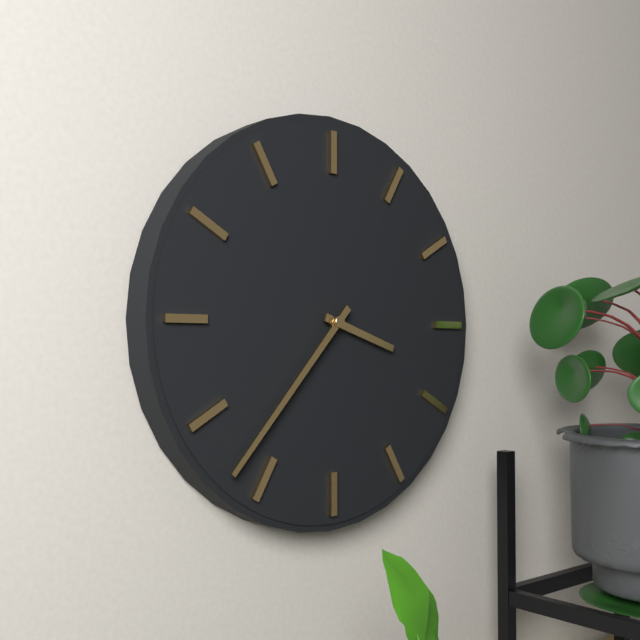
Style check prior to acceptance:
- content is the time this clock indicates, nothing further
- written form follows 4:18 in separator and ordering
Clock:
3:37
